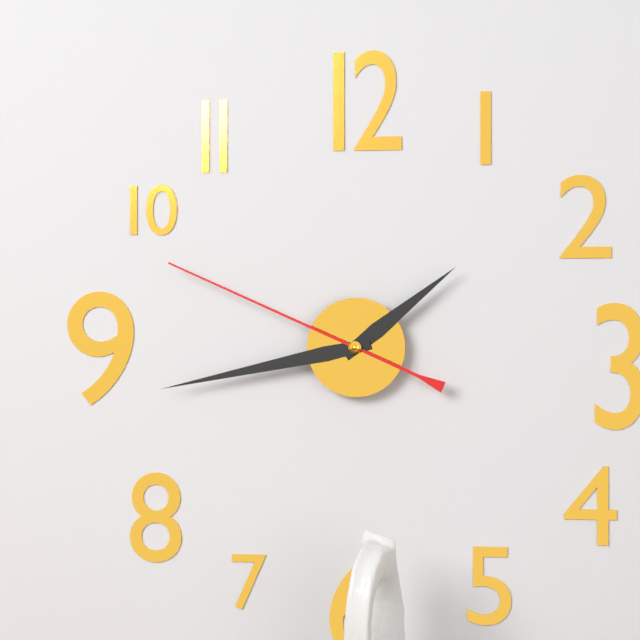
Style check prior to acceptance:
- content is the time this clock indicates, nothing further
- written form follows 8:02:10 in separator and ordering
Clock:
1:43:49
